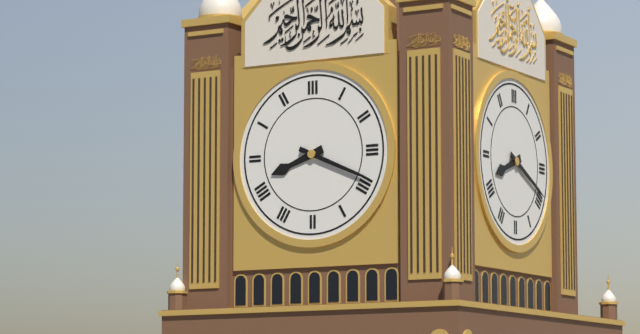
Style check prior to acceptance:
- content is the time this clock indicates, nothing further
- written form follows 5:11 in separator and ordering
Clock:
8:19
